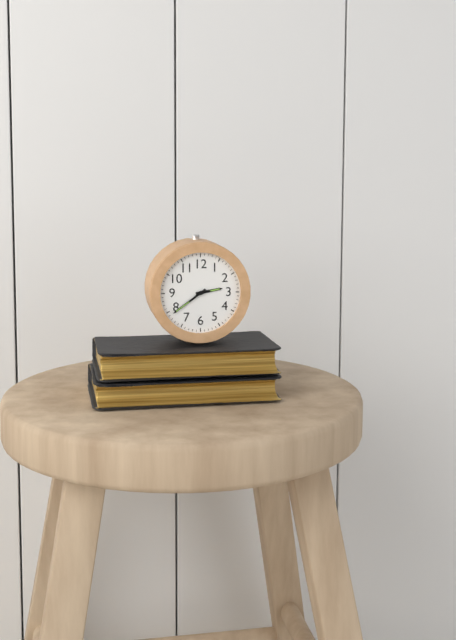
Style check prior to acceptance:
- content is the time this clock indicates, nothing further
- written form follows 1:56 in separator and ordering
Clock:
2:39
